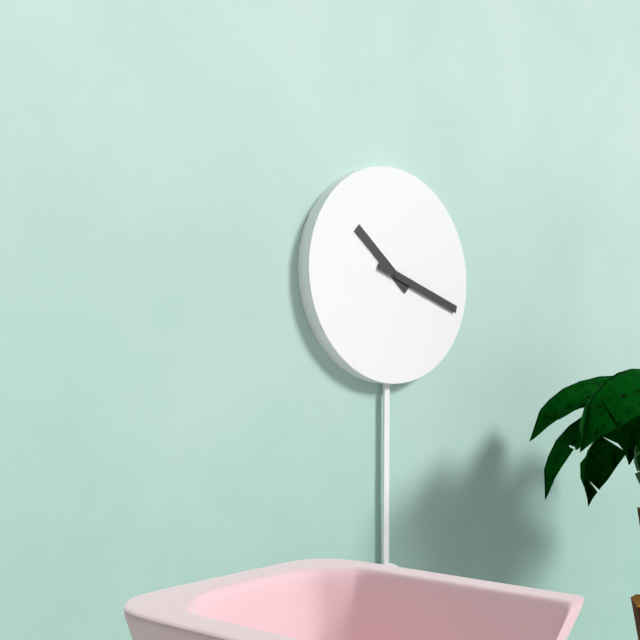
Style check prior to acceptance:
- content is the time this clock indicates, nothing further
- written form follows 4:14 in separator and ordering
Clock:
10:18
